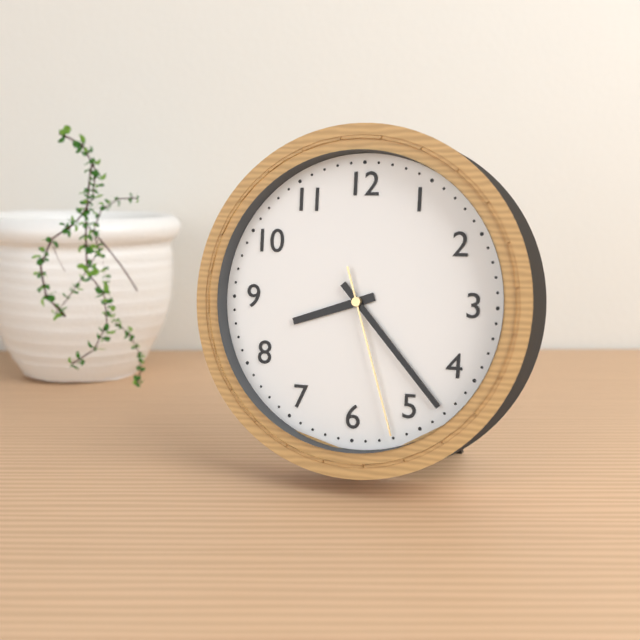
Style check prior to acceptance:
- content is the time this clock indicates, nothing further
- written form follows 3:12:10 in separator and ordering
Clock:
8:23:27
